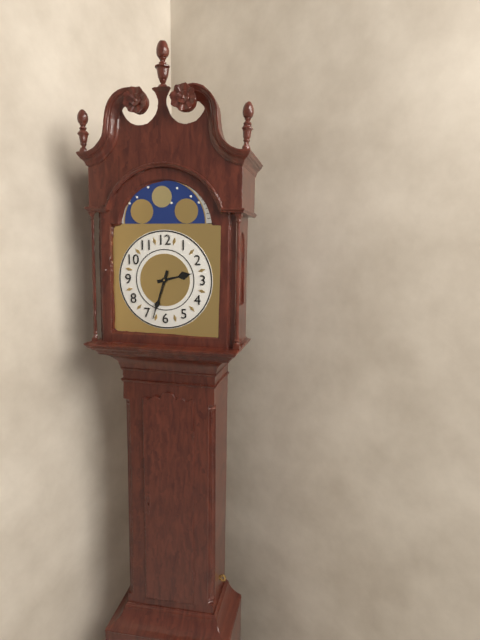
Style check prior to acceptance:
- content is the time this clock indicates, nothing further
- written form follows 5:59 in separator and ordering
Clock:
2:33
